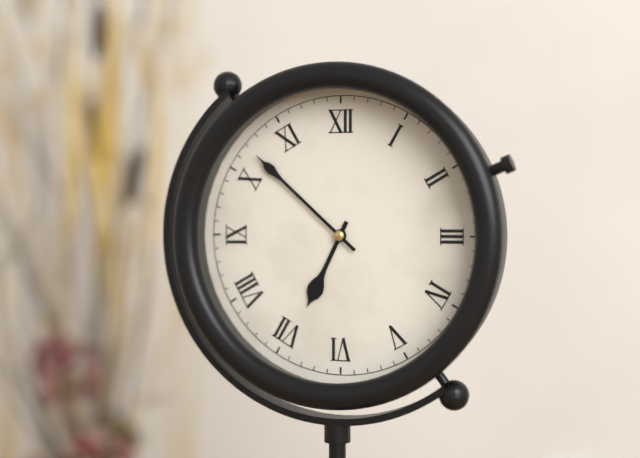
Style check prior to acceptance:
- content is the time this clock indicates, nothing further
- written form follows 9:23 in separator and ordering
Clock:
6:52
